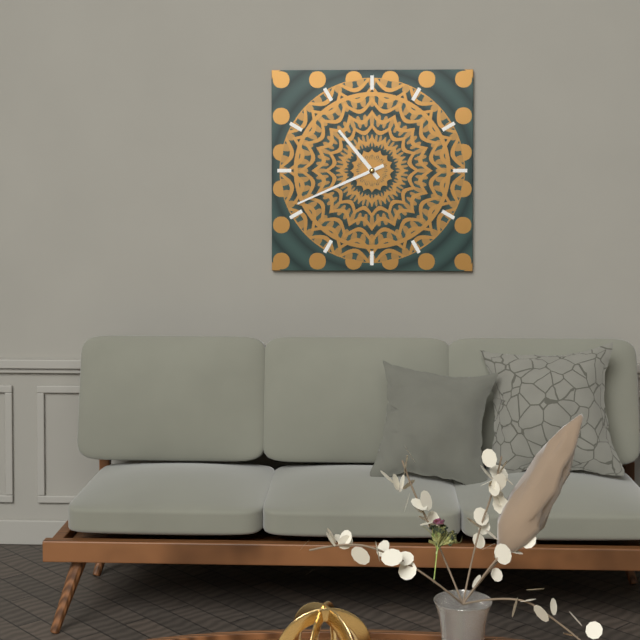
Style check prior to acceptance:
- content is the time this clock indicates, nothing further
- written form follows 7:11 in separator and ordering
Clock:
10:41
